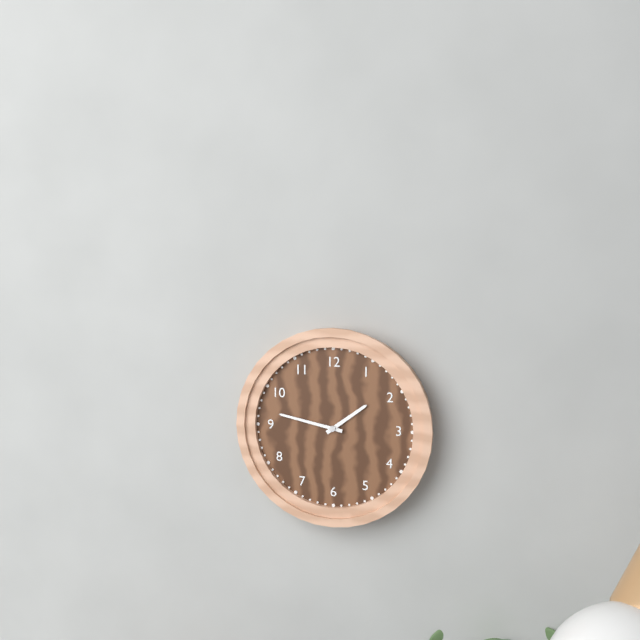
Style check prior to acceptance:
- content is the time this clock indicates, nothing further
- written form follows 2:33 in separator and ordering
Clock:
1:47
